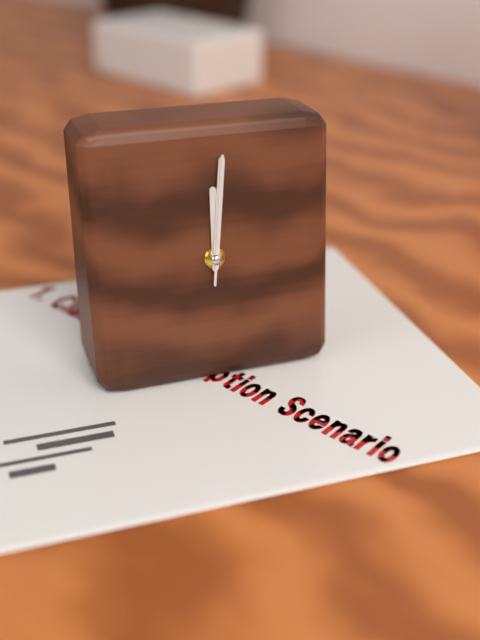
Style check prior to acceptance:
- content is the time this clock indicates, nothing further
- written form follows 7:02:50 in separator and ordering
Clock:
12:01:01
